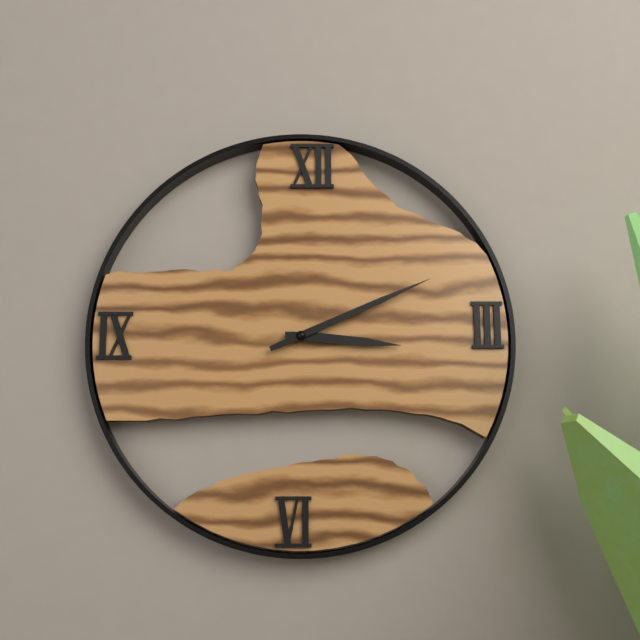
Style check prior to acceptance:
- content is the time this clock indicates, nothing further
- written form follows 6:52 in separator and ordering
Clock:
3:11
